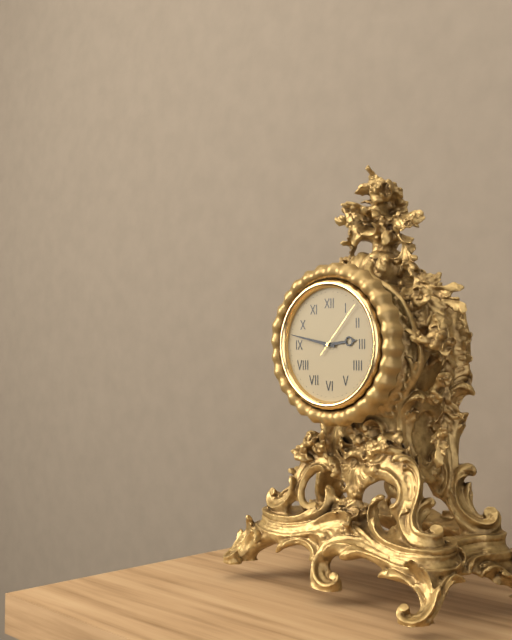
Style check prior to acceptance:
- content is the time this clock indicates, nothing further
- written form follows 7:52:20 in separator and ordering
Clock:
2:47:07
